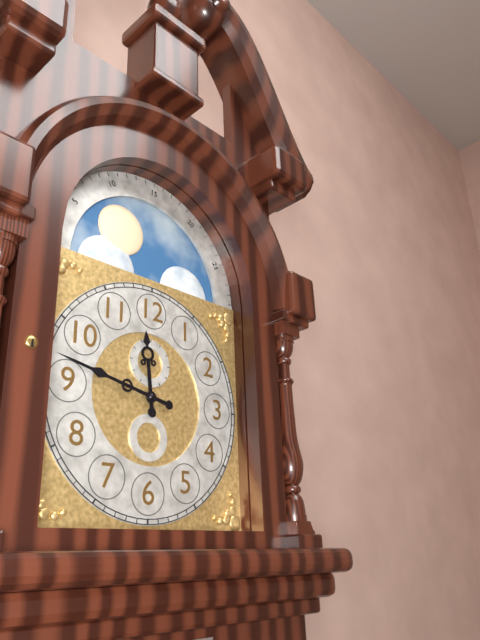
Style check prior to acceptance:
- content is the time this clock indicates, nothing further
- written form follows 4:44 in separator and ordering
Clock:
11:47
